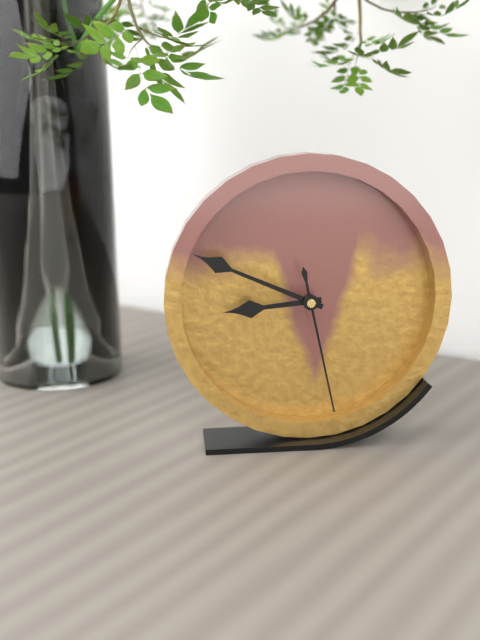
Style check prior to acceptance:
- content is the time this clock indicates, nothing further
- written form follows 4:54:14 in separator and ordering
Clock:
8:49:28
